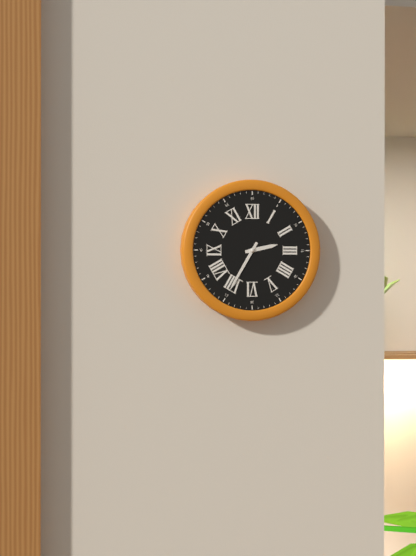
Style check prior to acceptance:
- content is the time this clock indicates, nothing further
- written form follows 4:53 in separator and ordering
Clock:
2:35
